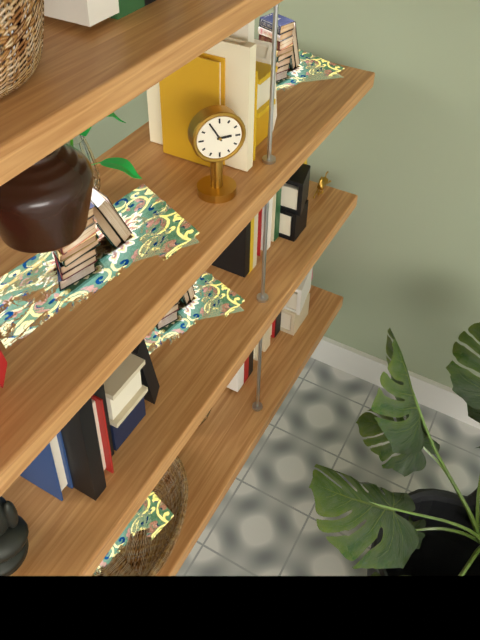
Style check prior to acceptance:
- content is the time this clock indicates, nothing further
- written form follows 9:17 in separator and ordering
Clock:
2:55
